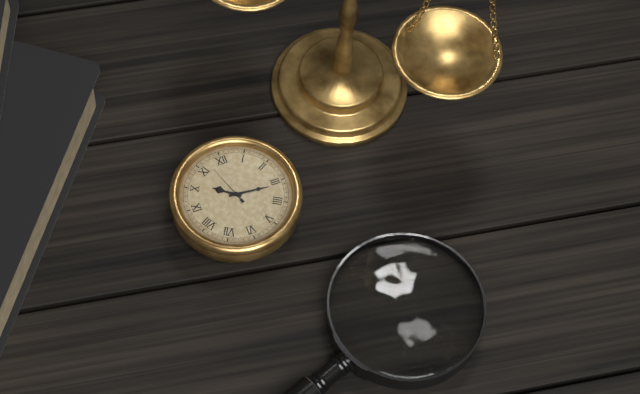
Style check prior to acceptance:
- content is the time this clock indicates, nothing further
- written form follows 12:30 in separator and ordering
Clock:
10:16
